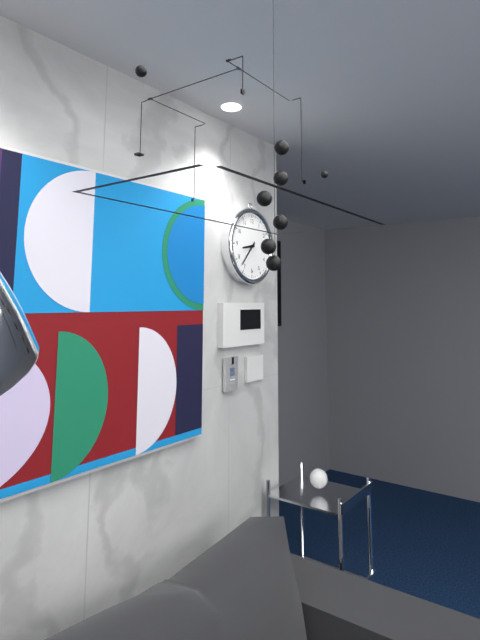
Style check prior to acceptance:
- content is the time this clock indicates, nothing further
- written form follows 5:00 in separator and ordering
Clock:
8:37
